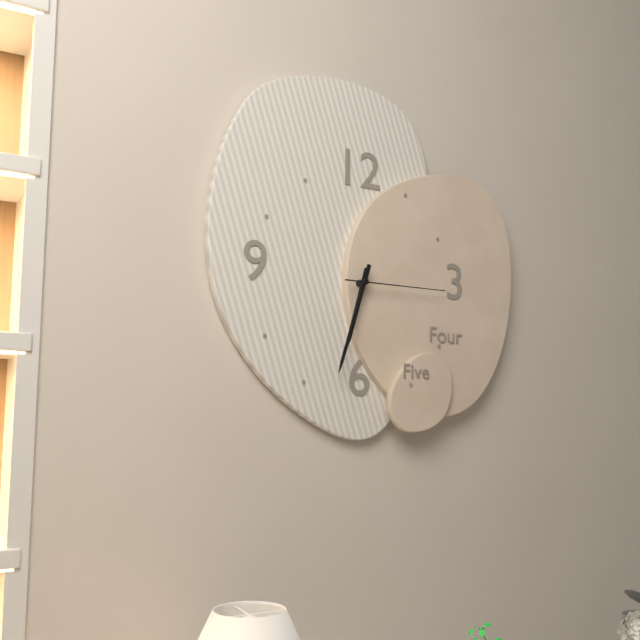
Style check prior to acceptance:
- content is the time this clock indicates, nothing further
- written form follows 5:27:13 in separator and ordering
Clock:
6:33:15
